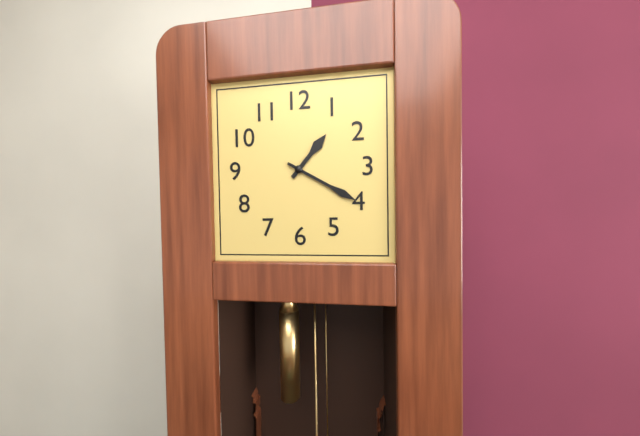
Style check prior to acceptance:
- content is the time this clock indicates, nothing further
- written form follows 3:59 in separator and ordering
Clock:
1:20
